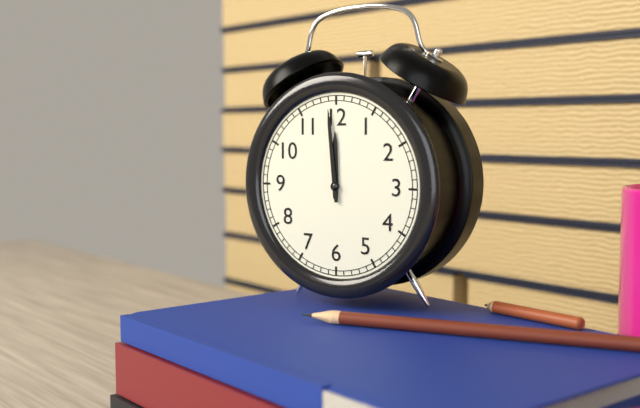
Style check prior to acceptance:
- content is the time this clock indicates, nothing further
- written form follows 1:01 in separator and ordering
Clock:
11:59
